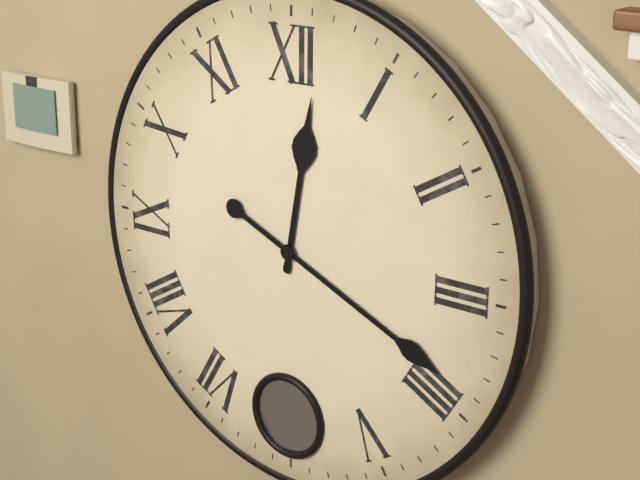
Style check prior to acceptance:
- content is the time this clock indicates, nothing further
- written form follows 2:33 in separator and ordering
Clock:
12:19
